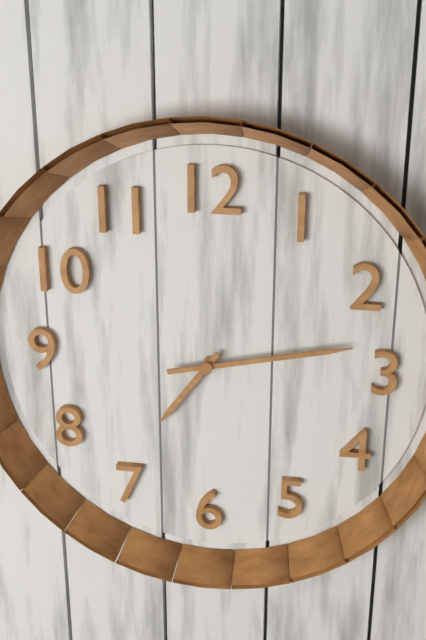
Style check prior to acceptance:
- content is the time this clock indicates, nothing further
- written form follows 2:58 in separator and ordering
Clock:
7:13
